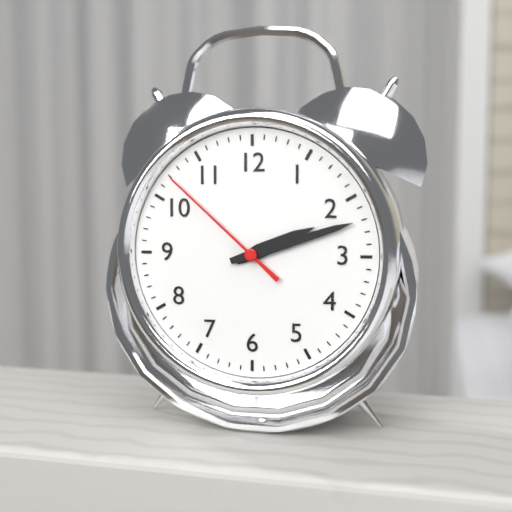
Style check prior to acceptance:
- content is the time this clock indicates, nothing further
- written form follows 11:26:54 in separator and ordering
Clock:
2:12:52
